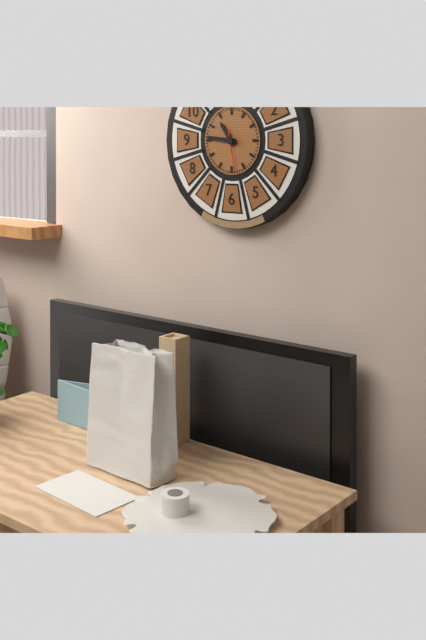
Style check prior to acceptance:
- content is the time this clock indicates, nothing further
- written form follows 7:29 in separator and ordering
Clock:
10:46
